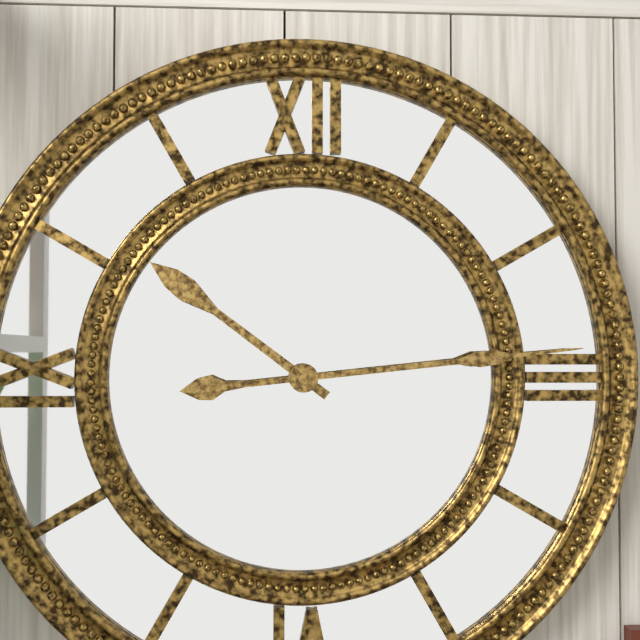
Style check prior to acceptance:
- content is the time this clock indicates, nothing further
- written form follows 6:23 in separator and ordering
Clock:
10:14
